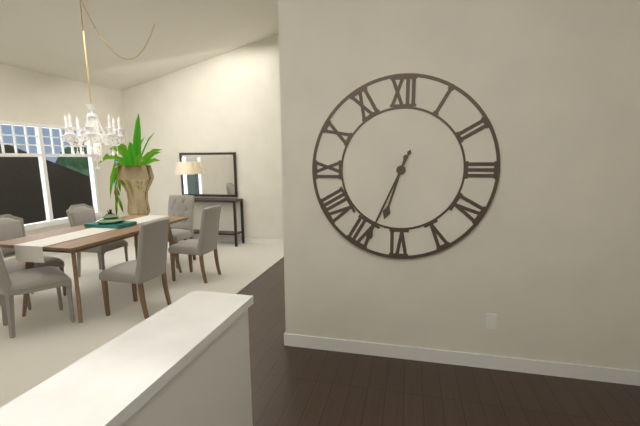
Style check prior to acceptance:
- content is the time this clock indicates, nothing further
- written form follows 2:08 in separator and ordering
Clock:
6:34
